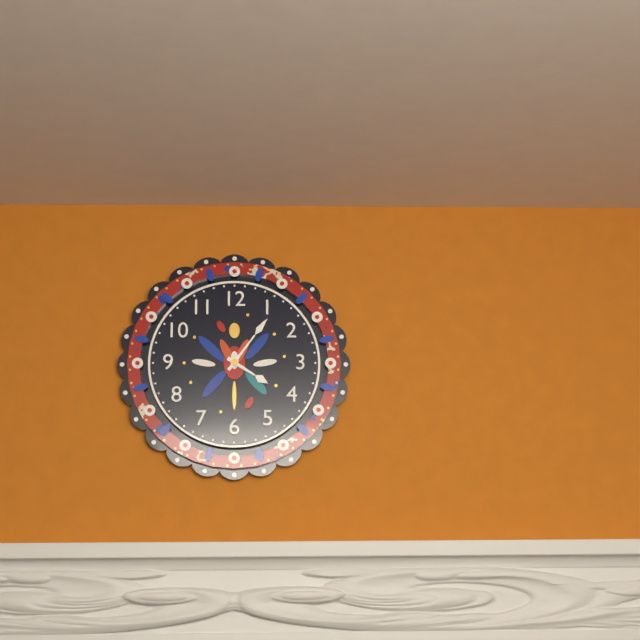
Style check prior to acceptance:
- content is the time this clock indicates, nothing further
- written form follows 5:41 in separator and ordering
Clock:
4:06
